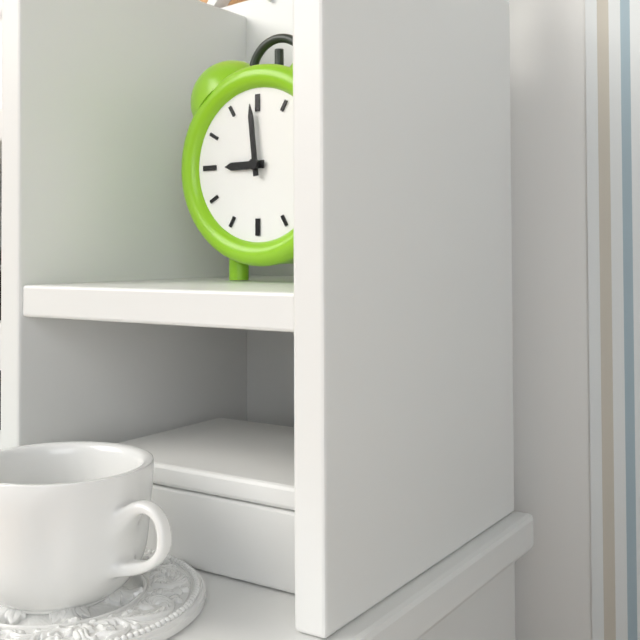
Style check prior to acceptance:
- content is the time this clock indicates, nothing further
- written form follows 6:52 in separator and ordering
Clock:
8:59
